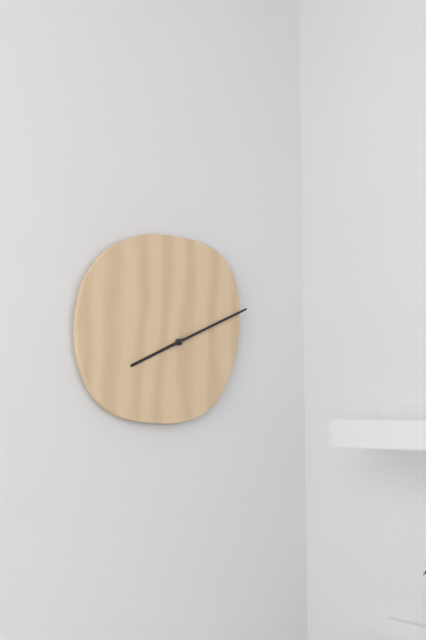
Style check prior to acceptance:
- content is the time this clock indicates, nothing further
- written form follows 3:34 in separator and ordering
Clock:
8:11
